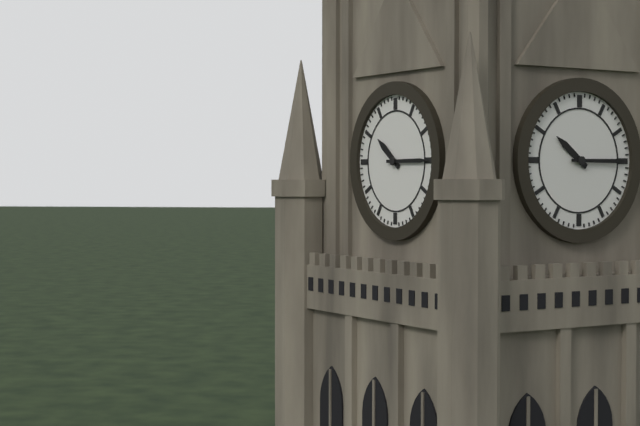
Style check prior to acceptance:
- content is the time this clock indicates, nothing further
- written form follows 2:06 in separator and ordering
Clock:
10:15
